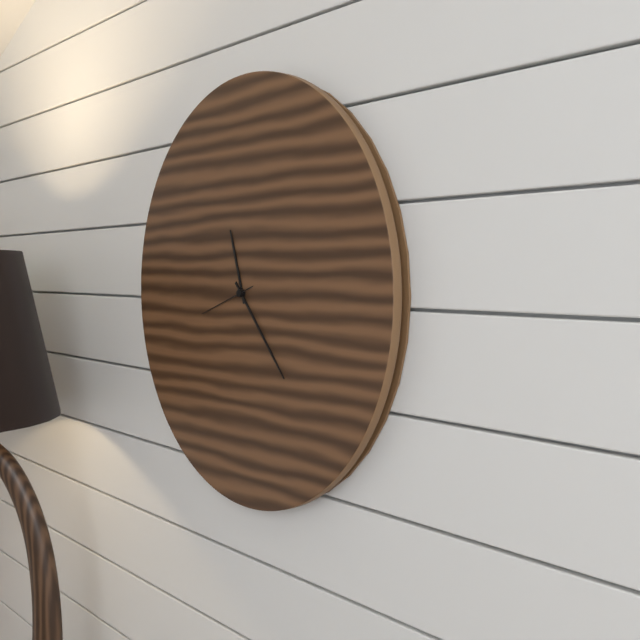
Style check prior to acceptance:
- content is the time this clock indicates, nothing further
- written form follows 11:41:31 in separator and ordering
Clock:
11:23:42
